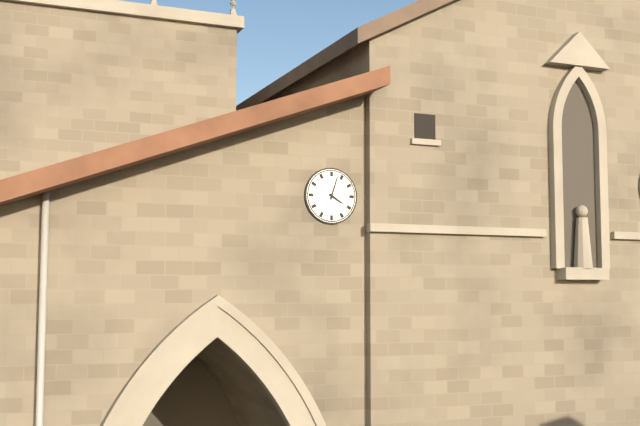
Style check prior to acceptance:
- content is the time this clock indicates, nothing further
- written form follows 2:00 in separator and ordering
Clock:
4:03
